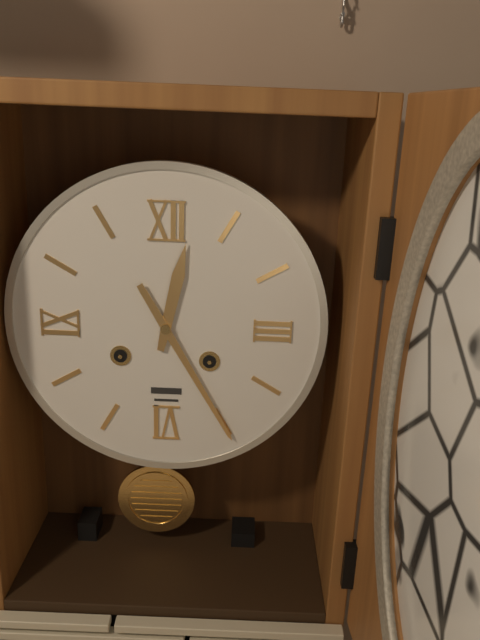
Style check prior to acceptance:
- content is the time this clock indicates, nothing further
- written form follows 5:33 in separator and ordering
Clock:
12:25
